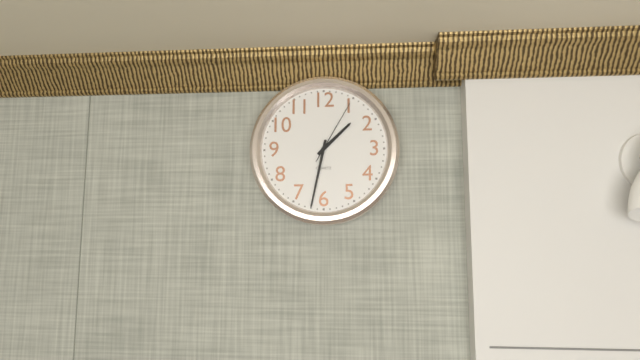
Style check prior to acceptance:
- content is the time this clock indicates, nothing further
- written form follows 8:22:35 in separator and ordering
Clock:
1:32:05
